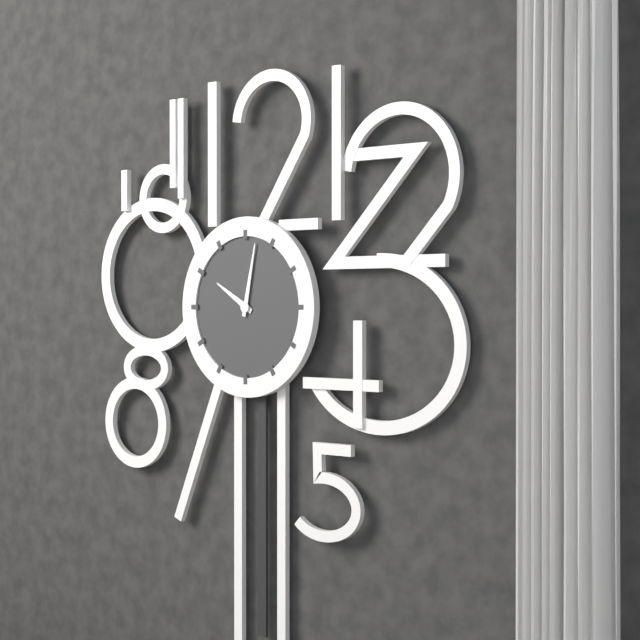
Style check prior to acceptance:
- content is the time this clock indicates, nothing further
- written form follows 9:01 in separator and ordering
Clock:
10:02
